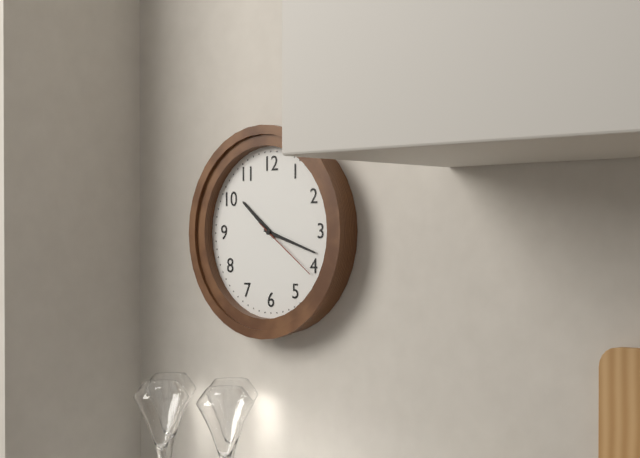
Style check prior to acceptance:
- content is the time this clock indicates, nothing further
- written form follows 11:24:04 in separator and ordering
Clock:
10:18:21
